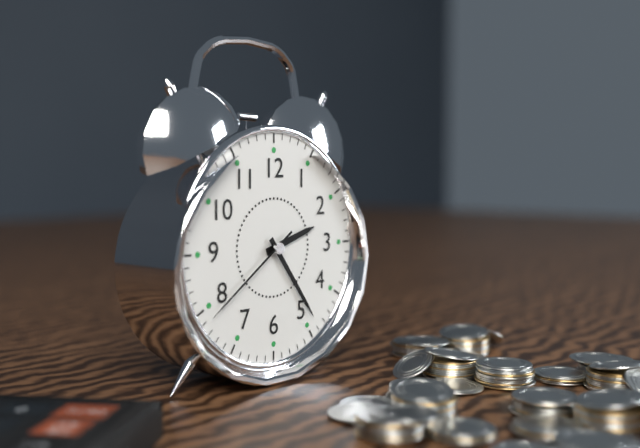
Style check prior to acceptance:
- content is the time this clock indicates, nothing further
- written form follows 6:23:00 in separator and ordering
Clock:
2:24:39
